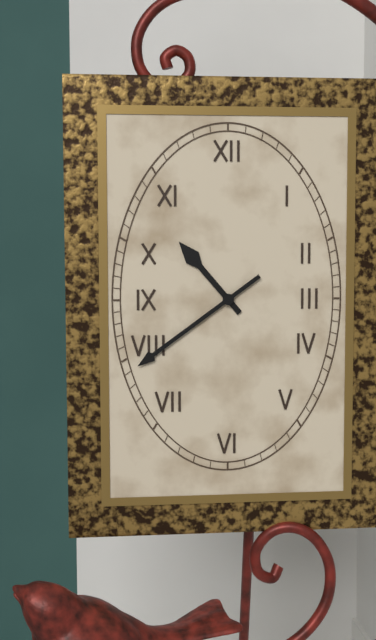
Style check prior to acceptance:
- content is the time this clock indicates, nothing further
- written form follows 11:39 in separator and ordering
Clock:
10:39
